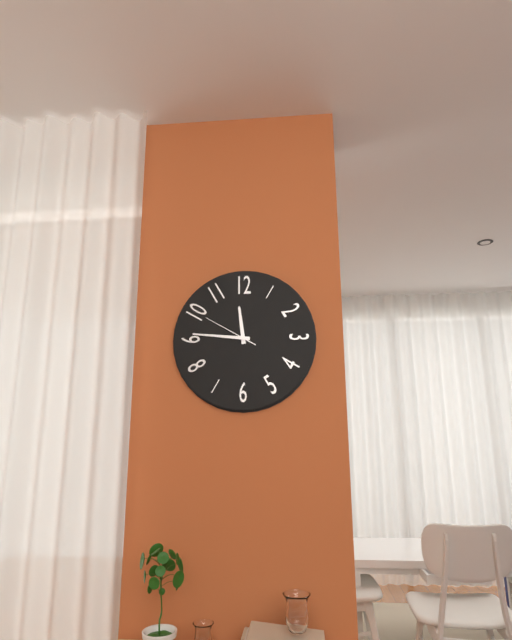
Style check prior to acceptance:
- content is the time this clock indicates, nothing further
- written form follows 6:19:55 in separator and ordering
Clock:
11:46:50
